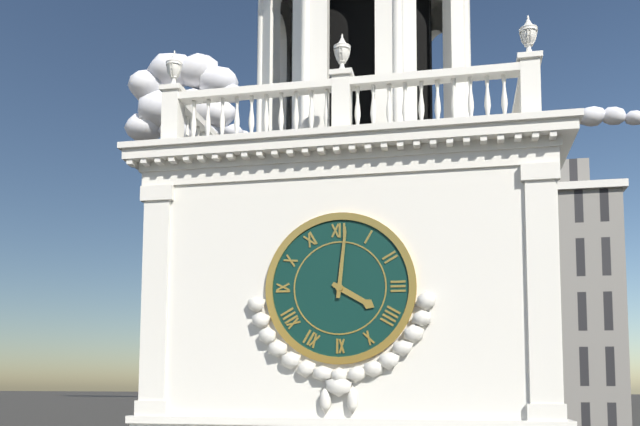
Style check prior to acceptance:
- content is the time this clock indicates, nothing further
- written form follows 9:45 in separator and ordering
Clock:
4:01
